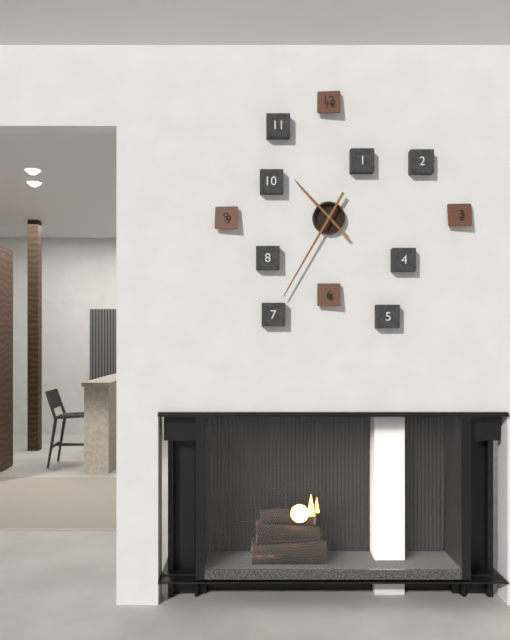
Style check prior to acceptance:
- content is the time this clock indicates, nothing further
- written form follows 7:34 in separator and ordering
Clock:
10:35
